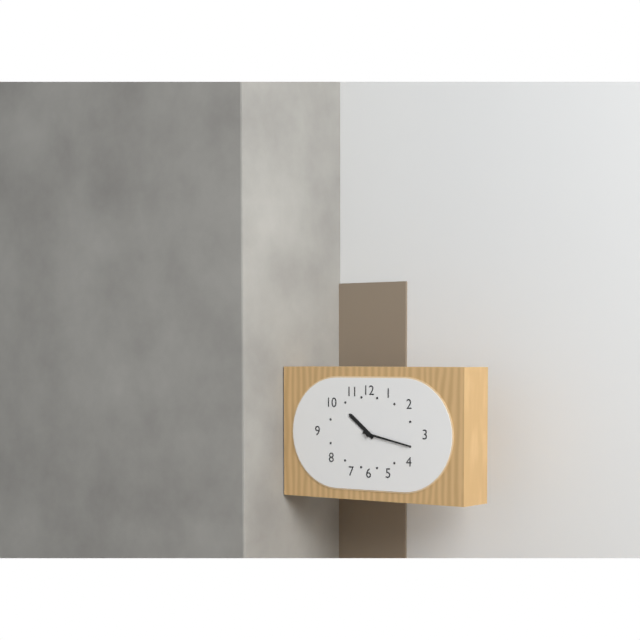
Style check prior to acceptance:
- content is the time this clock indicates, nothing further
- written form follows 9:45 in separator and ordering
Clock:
10:17
